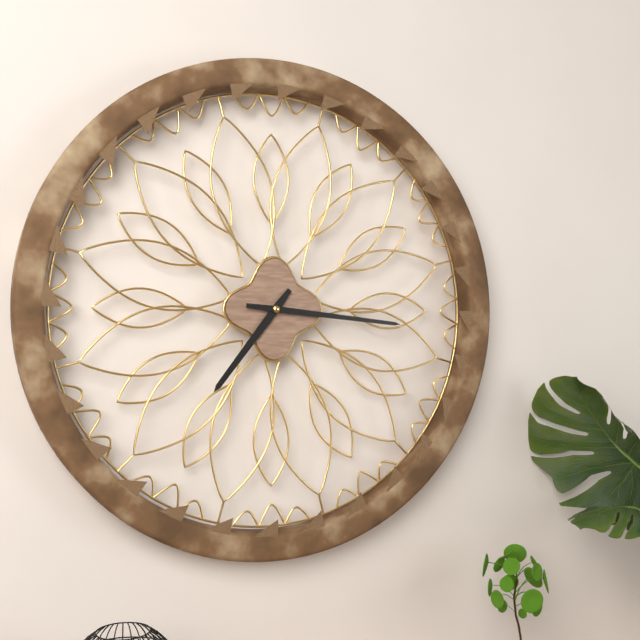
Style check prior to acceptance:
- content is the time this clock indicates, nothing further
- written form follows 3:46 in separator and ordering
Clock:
7:16
